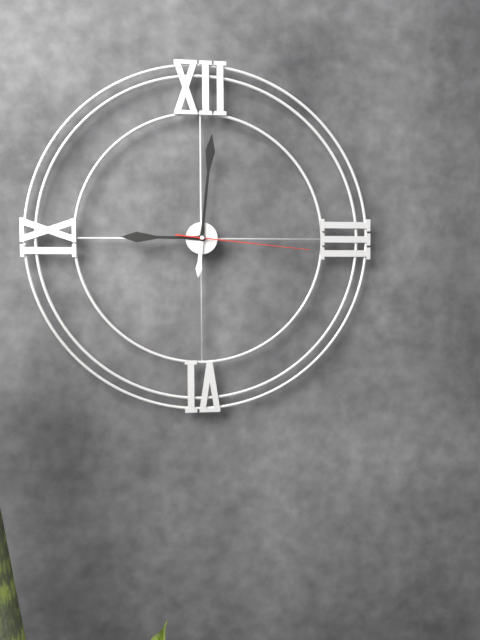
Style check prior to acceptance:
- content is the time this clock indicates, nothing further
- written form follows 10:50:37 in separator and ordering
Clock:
9:01:16
